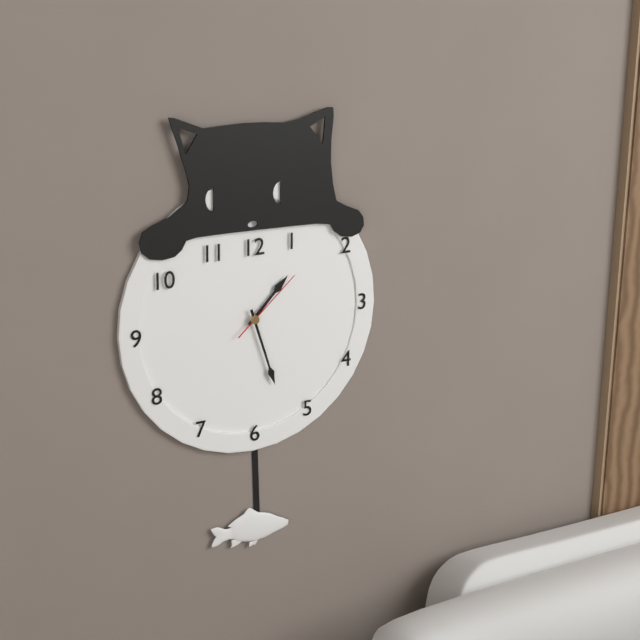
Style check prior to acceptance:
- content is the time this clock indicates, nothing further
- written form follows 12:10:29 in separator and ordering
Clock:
1:27:08
